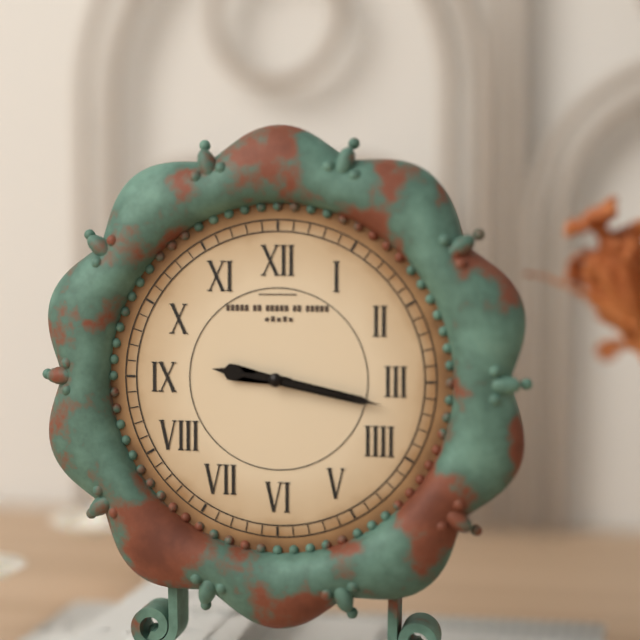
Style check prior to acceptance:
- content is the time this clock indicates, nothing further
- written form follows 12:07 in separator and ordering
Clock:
9:17
